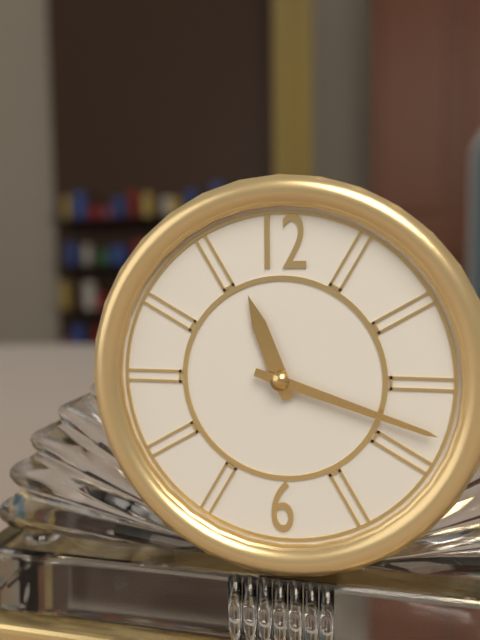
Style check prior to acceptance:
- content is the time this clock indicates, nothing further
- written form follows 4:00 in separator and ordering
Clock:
11:18
